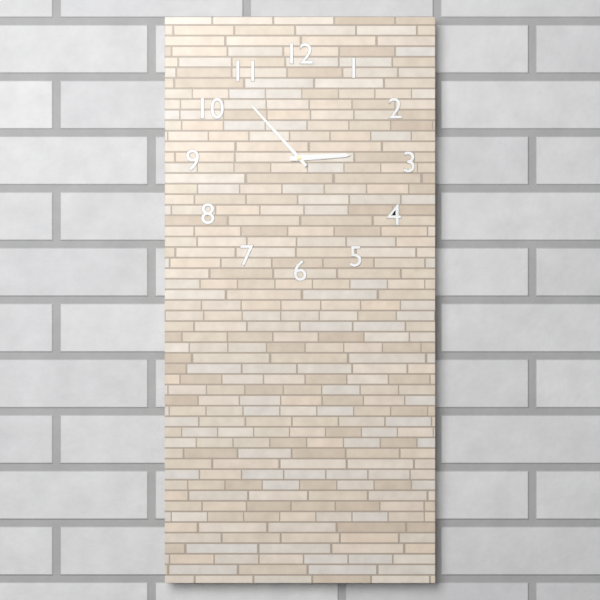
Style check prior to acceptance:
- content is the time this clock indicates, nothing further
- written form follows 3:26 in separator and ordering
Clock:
2:53
